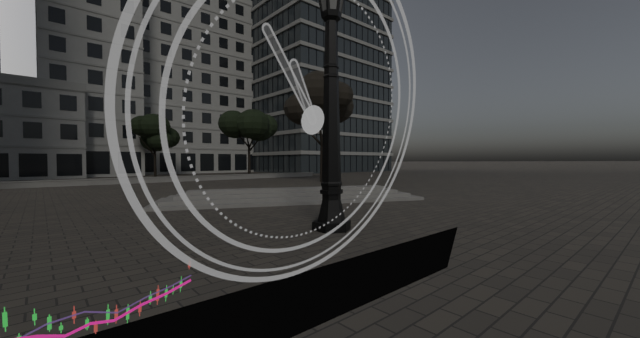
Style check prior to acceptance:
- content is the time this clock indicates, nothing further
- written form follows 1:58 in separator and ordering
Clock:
10:53
